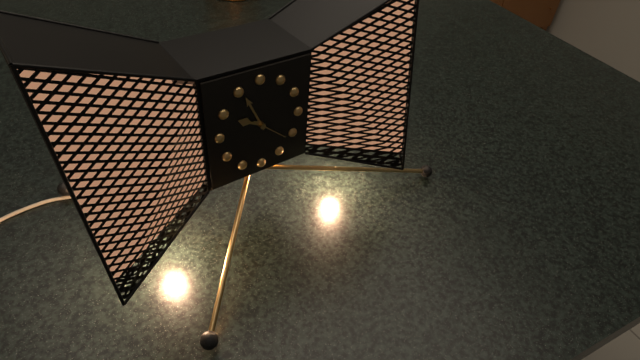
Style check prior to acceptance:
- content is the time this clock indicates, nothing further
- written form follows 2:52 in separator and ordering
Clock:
9:56
